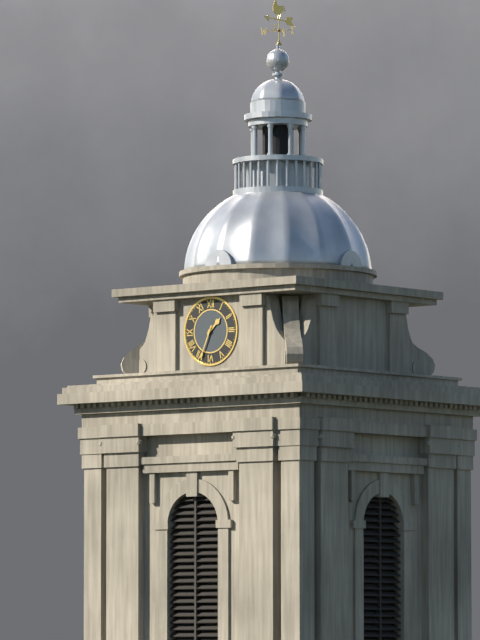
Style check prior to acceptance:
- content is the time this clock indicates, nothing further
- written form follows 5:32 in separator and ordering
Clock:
1:34
